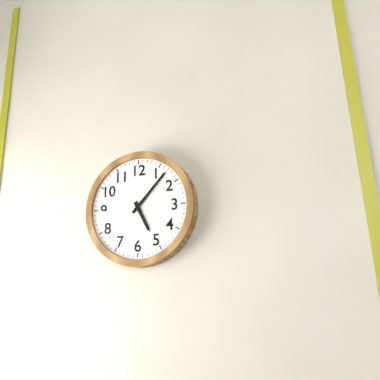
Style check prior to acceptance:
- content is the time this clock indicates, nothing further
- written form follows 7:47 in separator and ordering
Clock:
5:07
